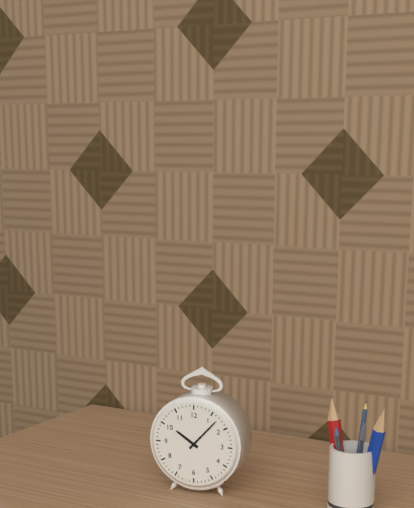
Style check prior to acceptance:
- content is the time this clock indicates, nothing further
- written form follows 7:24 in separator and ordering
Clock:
10:07
